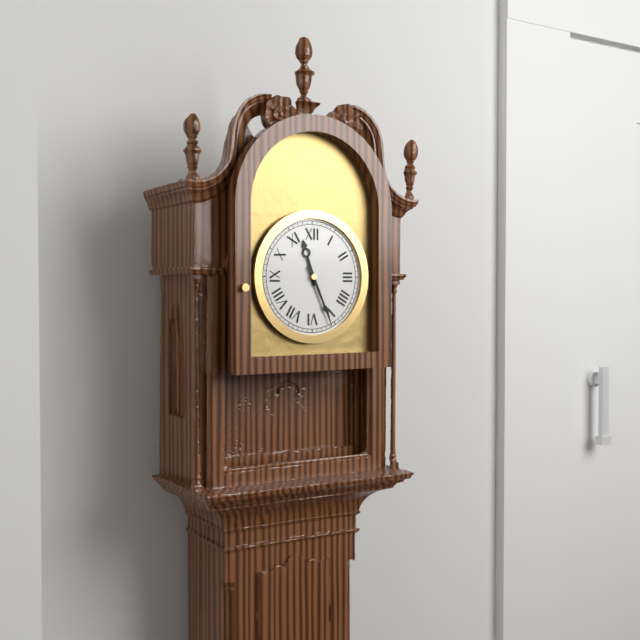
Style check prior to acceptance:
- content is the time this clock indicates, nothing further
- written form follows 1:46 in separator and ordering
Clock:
11:26
